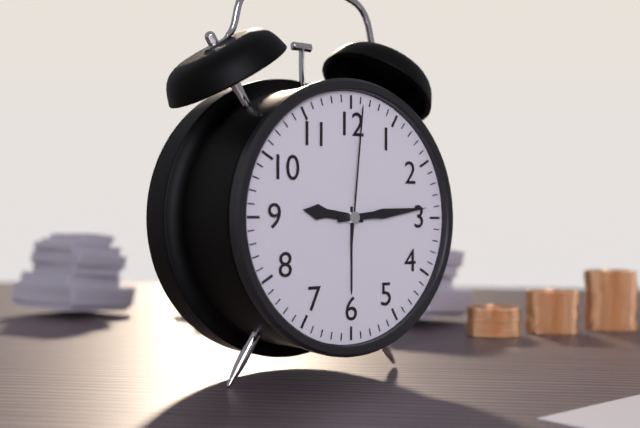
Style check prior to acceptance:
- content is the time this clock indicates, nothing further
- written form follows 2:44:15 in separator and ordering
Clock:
9:14:01
